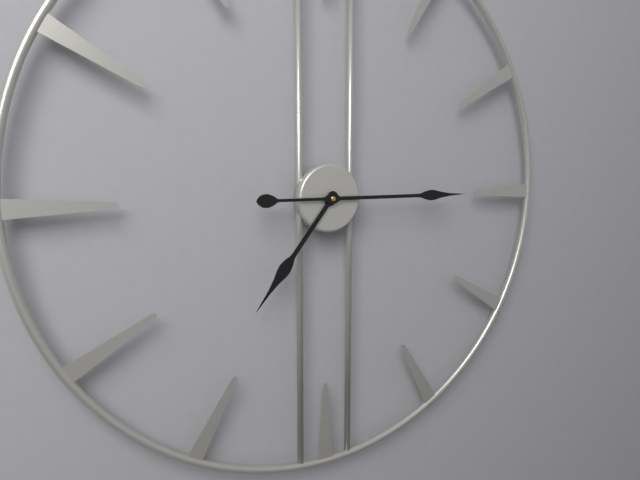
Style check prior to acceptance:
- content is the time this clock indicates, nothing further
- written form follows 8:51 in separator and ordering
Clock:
7:15
